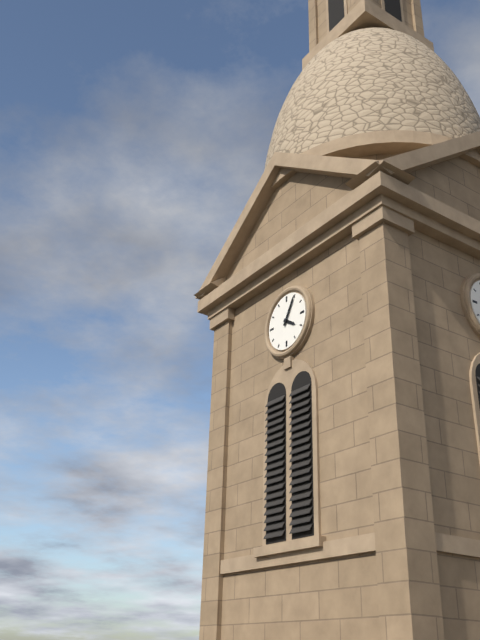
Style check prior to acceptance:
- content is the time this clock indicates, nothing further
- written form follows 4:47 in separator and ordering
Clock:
4:05
